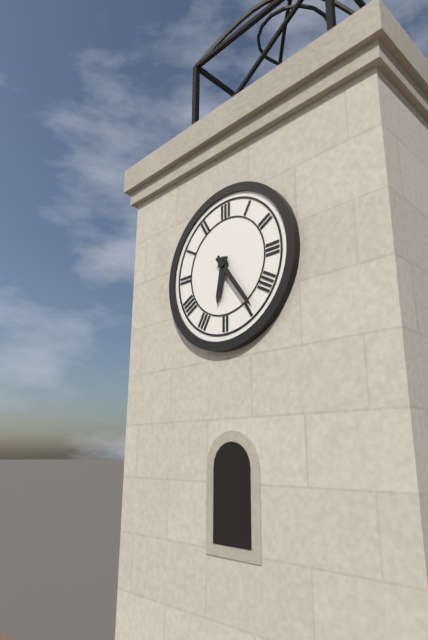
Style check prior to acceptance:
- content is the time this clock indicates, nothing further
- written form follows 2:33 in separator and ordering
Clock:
6:24
